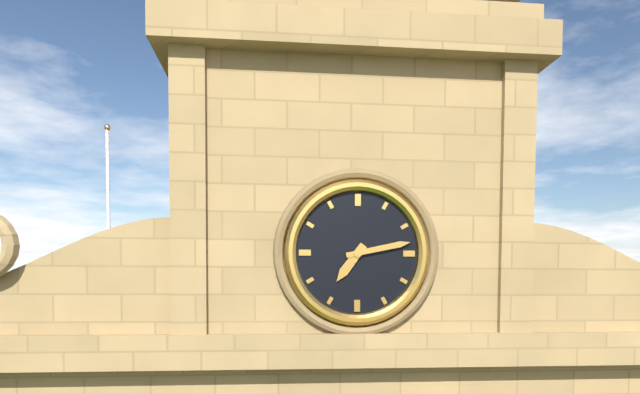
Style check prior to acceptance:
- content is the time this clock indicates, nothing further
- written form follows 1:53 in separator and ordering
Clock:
7:13
